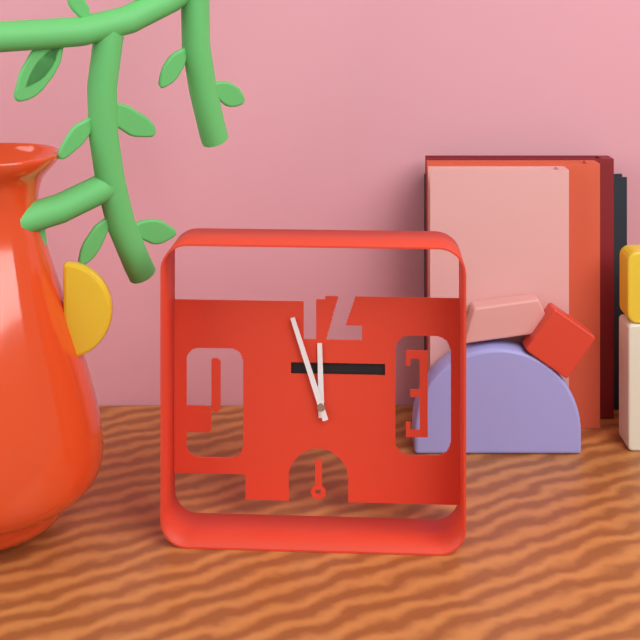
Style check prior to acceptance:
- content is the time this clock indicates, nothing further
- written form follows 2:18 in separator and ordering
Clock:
11:57
